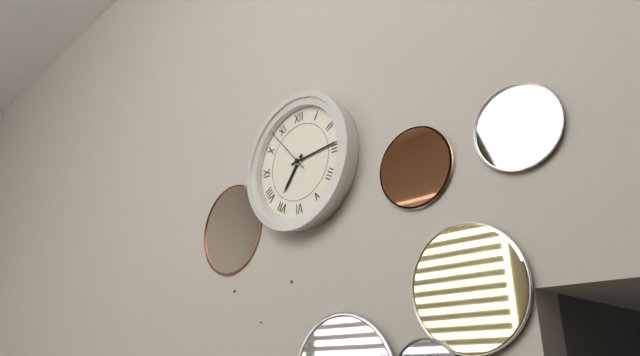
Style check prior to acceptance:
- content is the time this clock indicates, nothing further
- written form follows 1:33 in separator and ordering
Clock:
7:14
